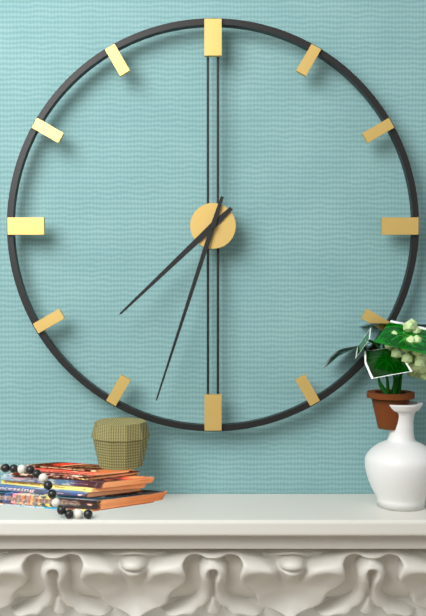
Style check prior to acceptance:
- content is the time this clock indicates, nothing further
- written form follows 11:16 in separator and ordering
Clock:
7:33
